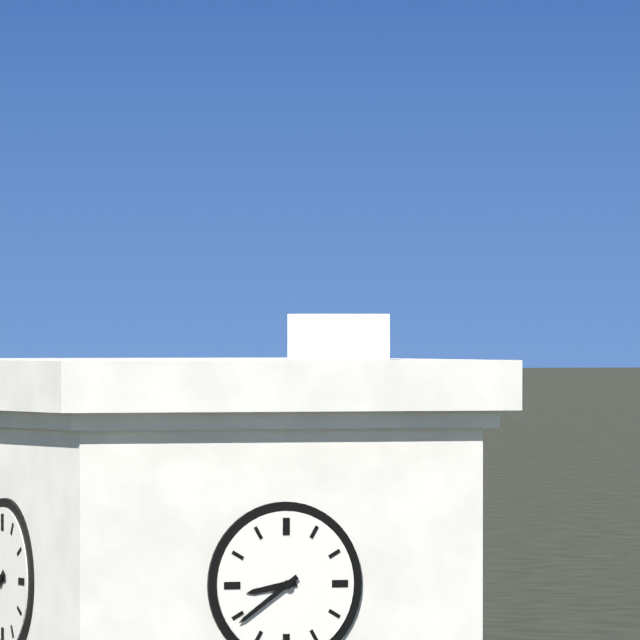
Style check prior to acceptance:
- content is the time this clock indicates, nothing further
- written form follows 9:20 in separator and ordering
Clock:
8:39
